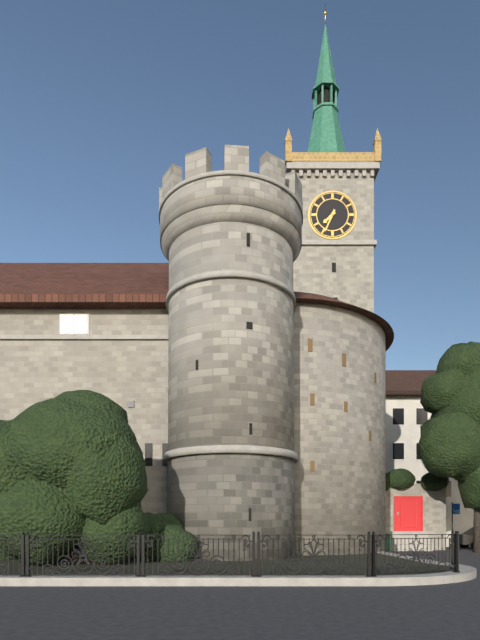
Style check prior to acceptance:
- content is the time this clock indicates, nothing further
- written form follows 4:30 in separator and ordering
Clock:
7:34
